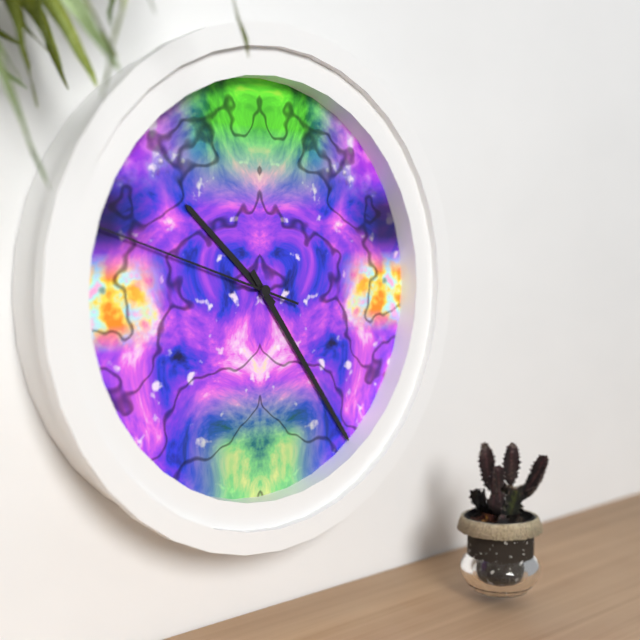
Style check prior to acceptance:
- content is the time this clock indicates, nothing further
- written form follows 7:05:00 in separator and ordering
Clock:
10:24:48
